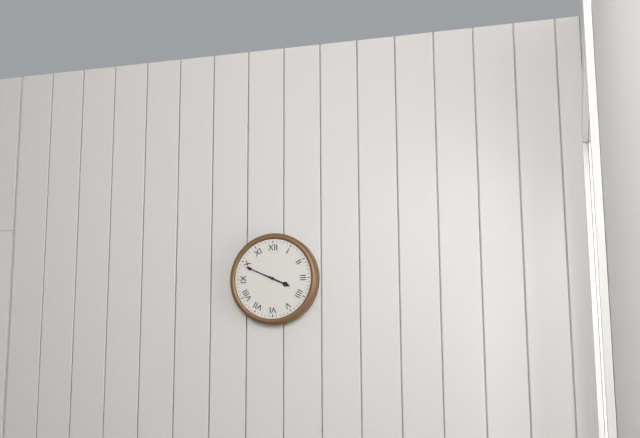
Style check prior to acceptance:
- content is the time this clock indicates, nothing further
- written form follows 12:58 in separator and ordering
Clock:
3:49
